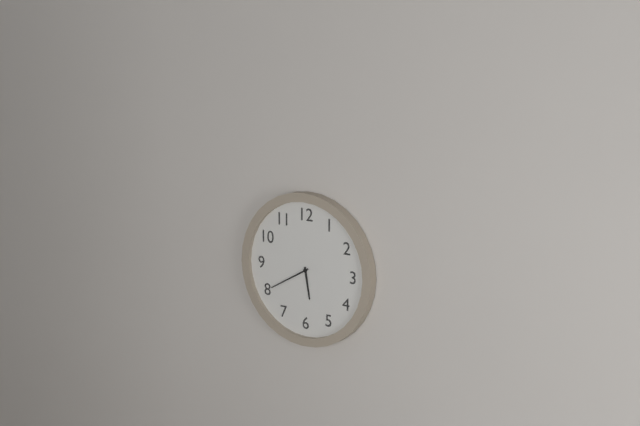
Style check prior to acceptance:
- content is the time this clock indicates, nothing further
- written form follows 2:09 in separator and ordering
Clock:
5:40
